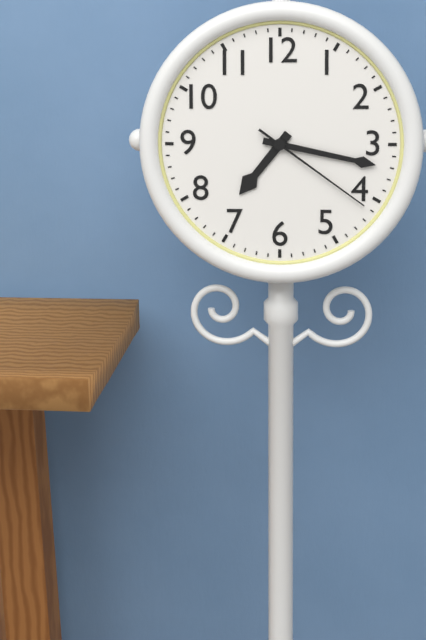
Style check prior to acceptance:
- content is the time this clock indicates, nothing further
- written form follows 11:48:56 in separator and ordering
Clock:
7:17:21
